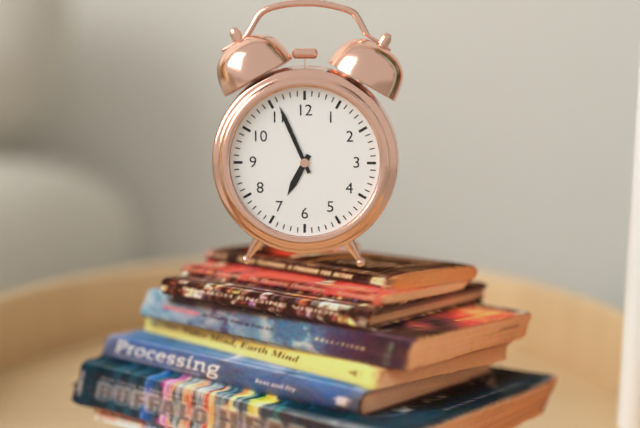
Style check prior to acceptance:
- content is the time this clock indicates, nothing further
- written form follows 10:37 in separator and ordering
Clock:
6:56
